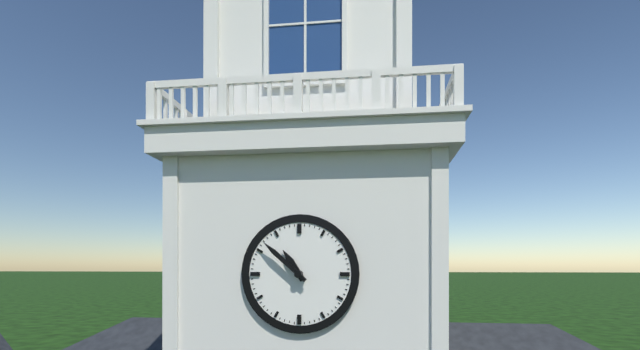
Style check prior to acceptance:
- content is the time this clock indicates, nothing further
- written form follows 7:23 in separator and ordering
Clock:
10:52
